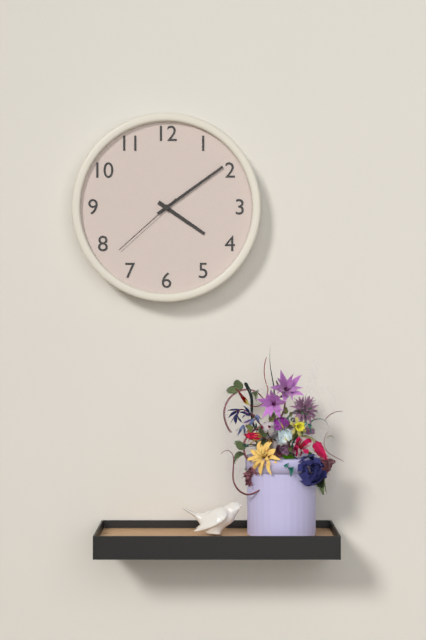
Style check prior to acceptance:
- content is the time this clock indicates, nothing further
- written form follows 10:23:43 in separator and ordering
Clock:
4:09:38
